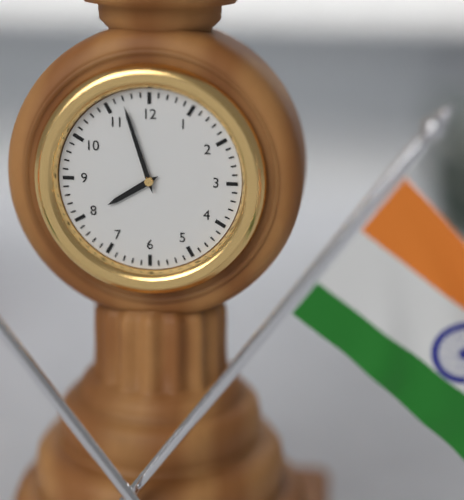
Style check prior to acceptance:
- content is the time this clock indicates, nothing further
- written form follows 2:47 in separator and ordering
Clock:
7:57
